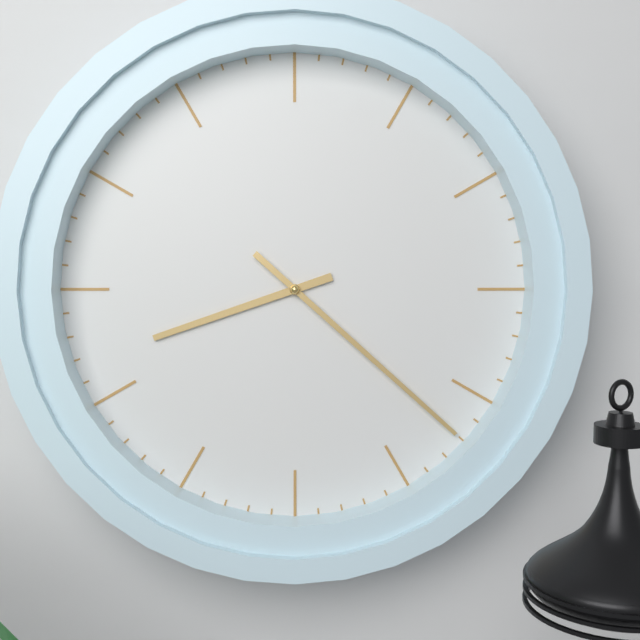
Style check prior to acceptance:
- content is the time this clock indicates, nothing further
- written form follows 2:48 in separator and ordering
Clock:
8:22
